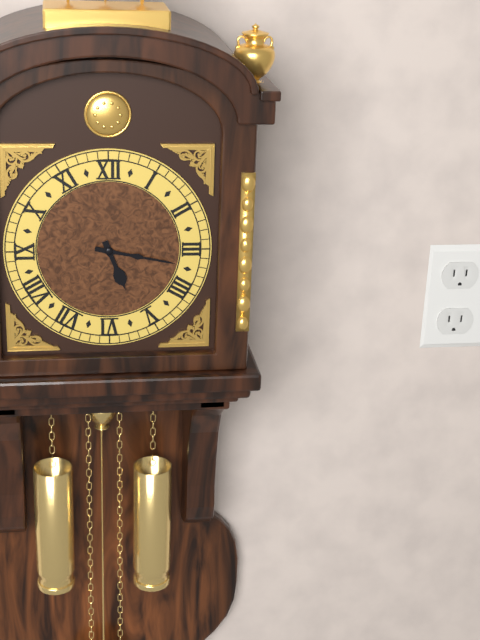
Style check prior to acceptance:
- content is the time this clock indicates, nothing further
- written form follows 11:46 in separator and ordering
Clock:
5:17
